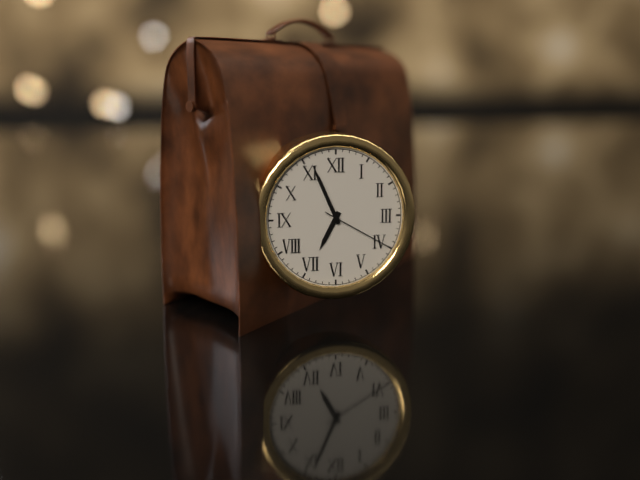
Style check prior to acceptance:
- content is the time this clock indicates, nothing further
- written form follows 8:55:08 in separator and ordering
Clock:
6:56:20
